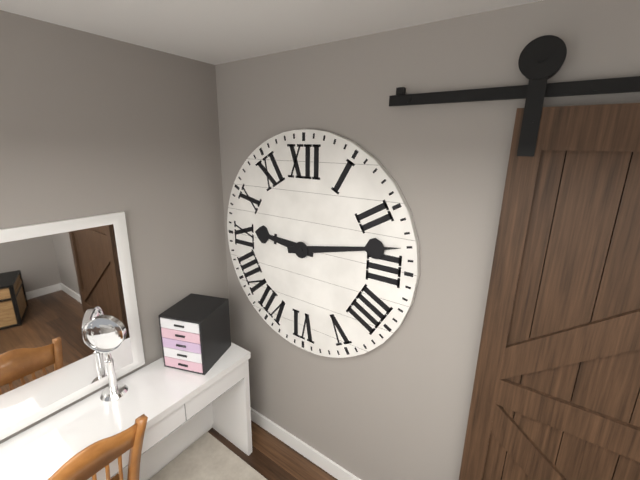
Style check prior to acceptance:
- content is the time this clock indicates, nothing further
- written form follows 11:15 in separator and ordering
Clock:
9:13
